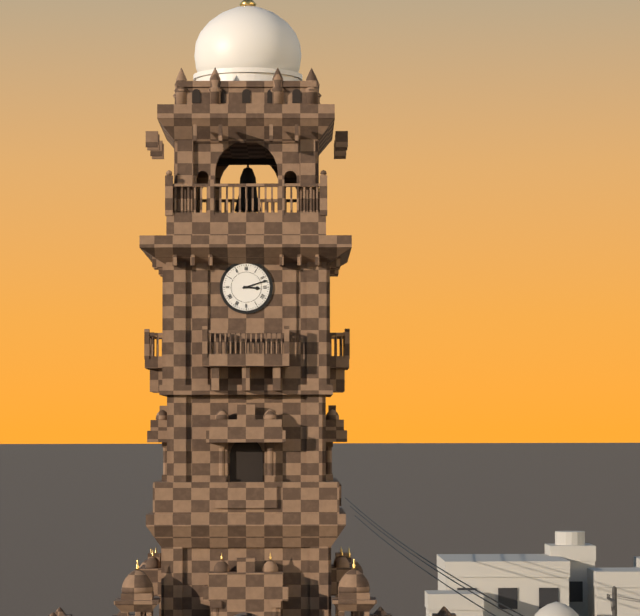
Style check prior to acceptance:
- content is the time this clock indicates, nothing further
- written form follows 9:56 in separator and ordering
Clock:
3:12
